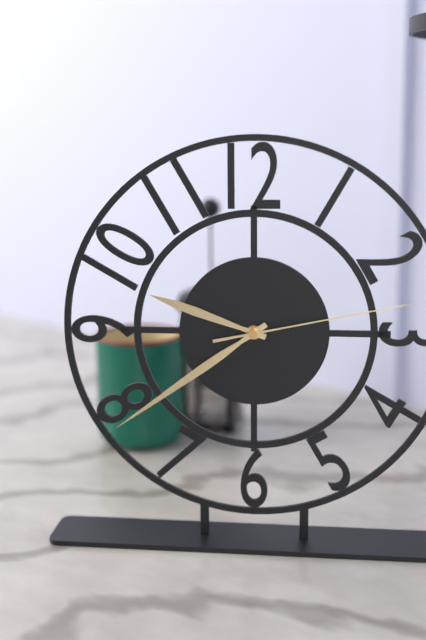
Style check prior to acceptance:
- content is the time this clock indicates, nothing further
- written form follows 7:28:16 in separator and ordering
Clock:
9:39:13
